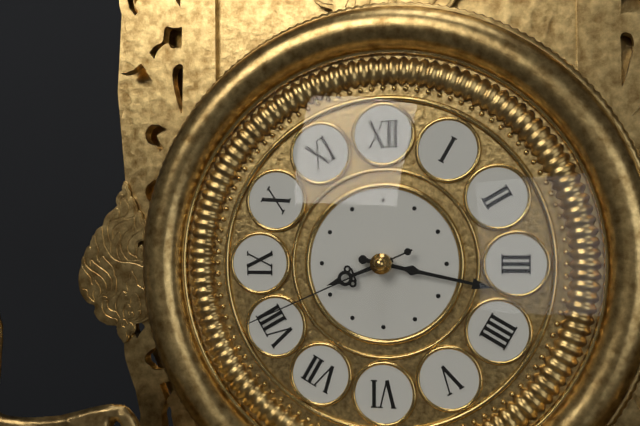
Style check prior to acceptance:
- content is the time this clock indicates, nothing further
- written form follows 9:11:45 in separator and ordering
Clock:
8:17:41
